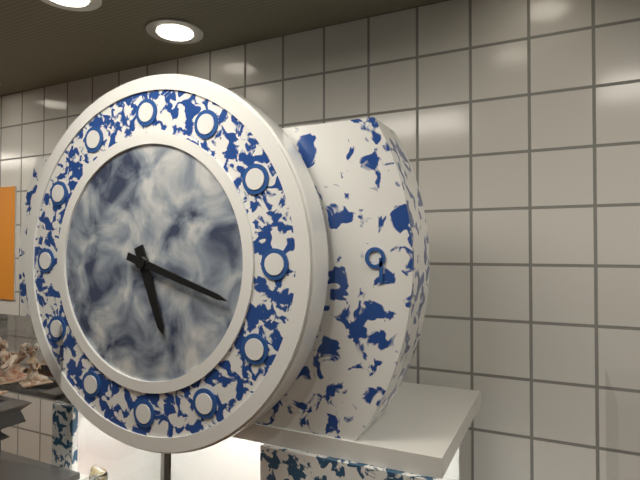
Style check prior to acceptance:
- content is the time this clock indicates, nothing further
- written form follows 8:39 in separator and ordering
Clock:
5:18
